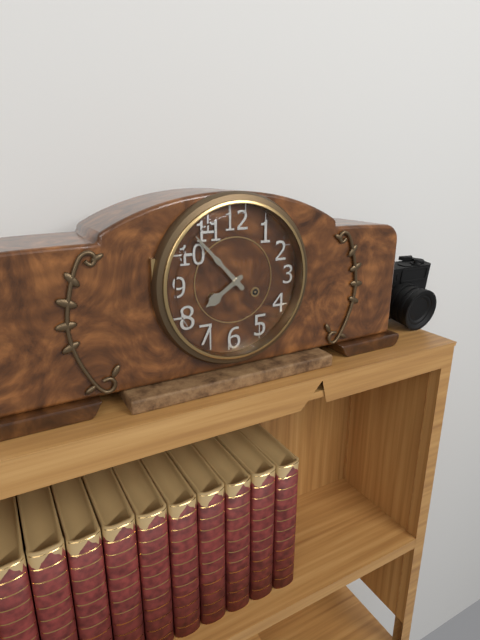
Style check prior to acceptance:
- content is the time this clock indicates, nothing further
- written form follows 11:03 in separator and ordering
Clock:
7:53
